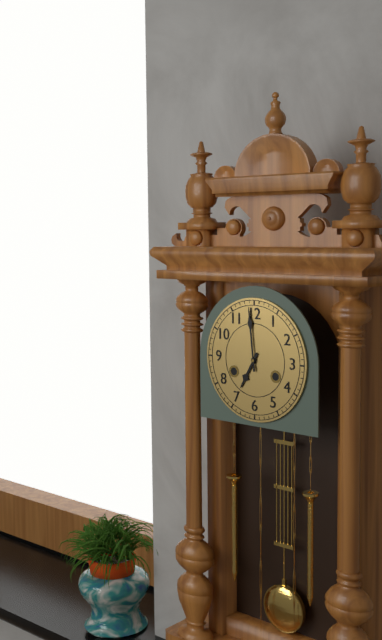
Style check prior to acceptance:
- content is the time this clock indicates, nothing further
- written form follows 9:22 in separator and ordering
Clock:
6:59
